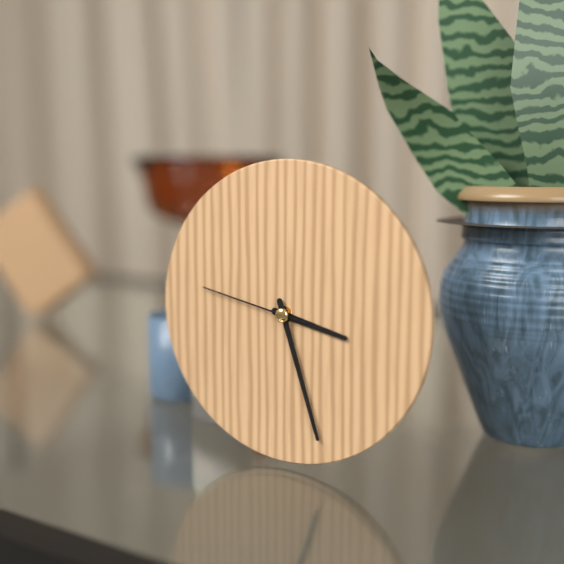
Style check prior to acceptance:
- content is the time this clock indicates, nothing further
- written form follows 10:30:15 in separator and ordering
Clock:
3:27:47
